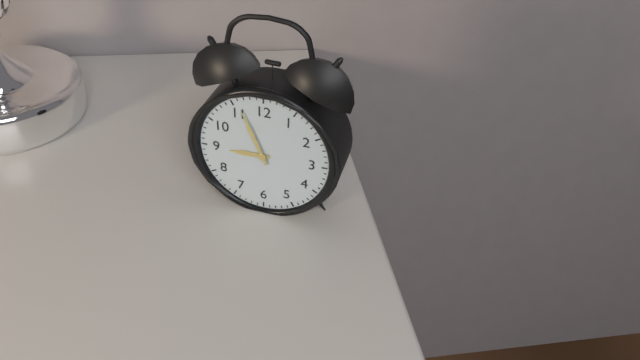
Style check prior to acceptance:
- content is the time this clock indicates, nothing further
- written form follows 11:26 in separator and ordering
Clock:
8:56
